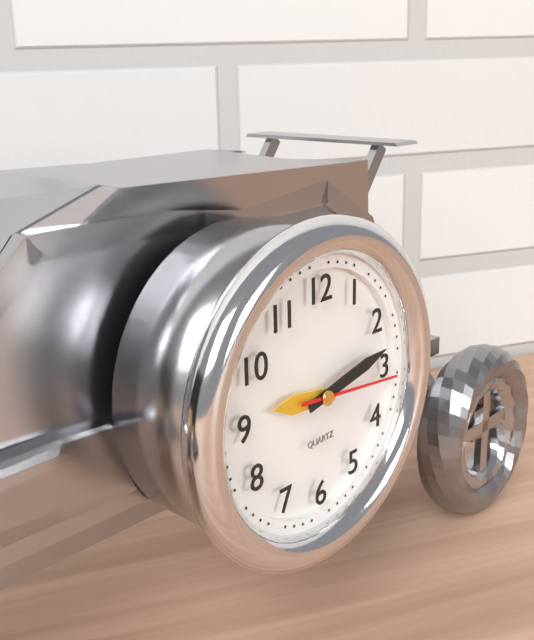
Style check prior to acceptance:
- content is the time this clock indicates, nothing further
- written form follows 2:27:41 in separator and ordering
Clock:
9:13:16
